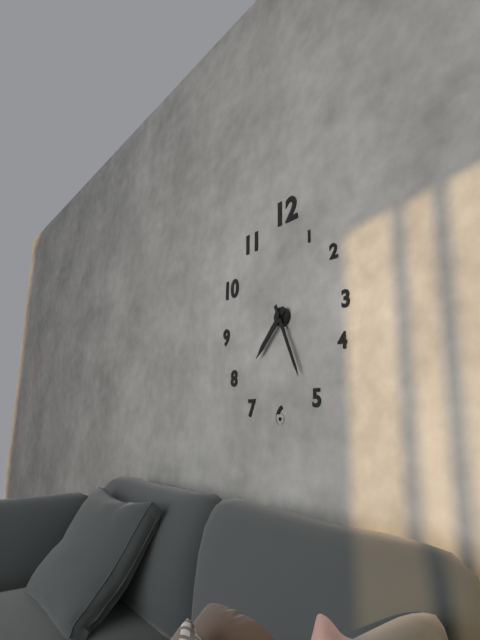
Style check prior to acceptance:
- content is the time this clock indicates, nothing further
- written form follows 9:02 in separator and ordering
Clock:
7:26
